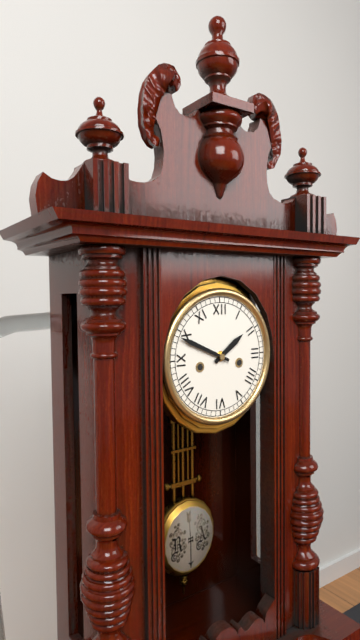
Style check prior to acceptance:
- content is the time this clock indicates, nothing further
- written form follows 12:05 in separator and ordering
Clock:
1:49
